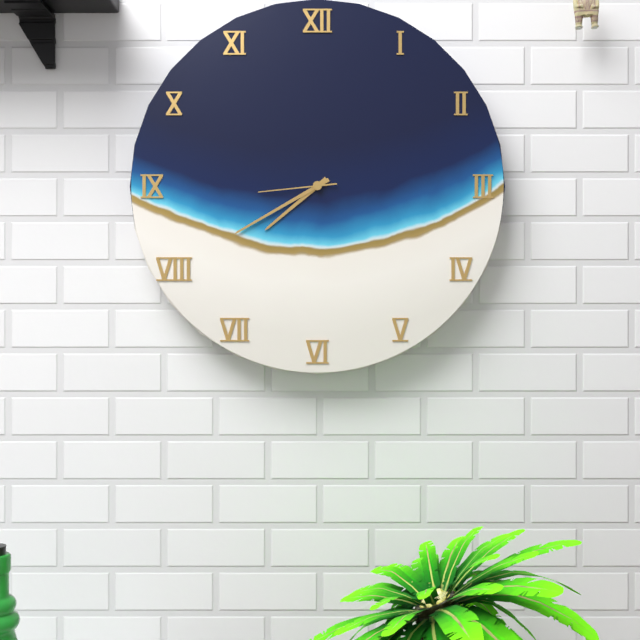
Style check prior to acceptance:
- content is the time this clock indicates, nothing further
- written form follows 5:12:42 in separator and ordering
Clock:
7:40:44
